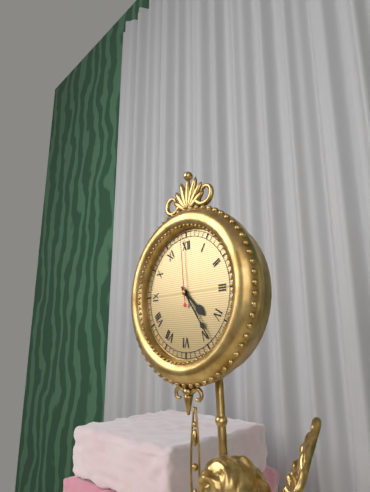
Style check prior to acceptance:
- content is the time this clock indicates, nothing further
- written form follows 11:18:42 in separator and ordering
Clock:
4:24:59
